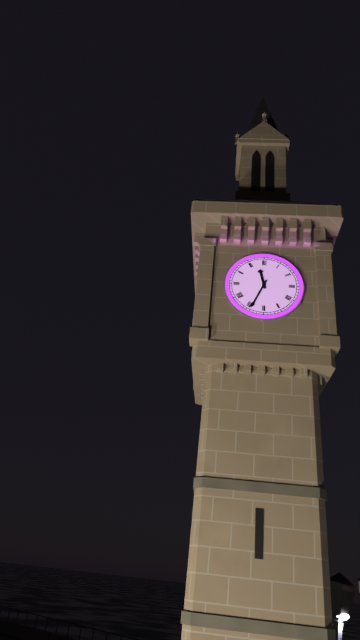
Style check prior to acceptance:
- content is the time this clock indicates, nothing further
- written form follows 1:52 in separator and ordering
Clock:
11:34
